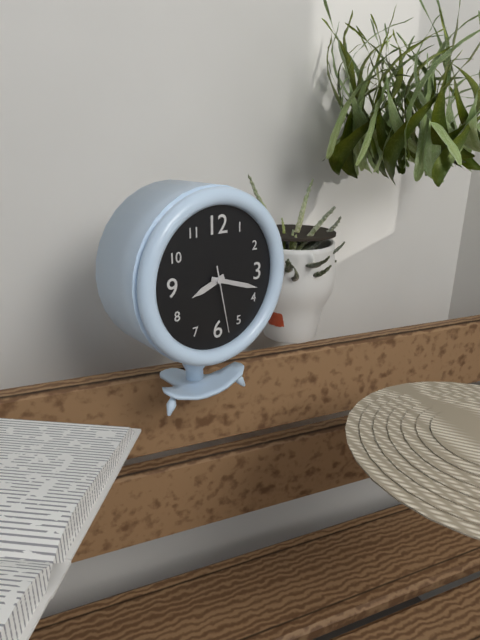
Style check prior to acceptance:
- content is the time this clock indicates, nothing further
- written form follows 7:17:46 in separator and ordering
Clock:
8:18:28
